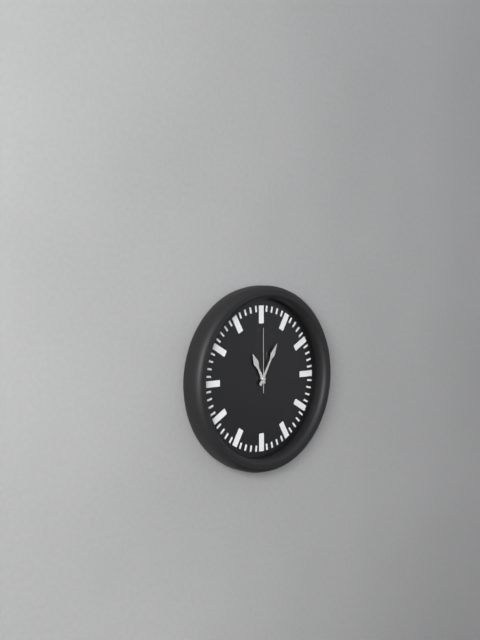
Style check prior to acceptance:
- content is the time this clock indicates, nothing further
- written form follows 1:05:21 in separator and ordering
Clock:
11:05:00
